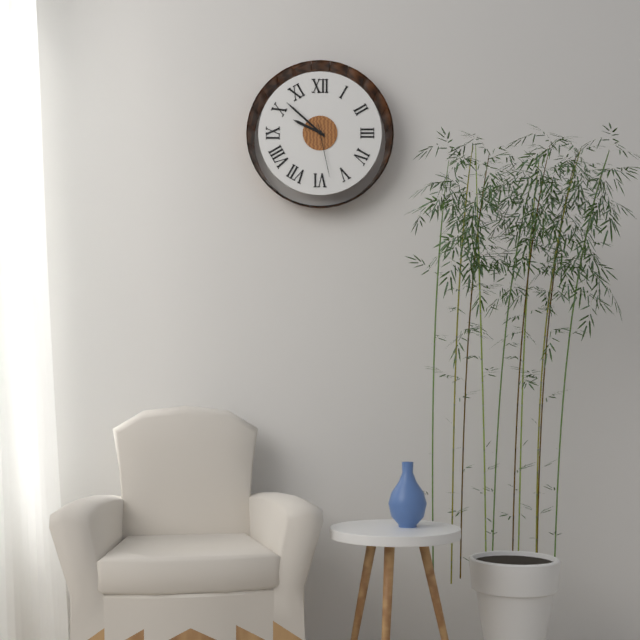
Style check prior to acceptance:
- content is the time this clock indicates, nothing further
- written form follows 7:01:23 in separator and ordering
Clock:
9:52:28
